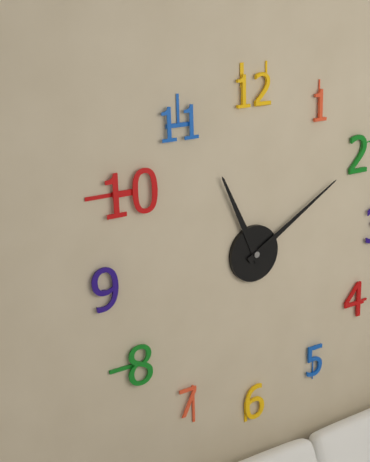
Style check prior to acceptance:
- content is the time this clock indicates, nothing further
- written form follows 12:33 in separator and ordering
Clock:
11:10
